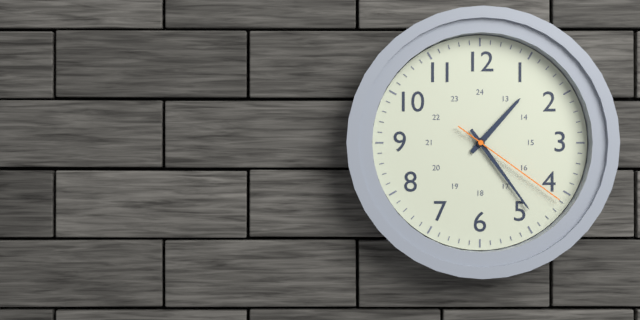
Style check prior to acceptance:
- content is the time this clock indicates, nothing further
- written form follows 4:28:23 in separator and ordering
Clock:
1:24:21
